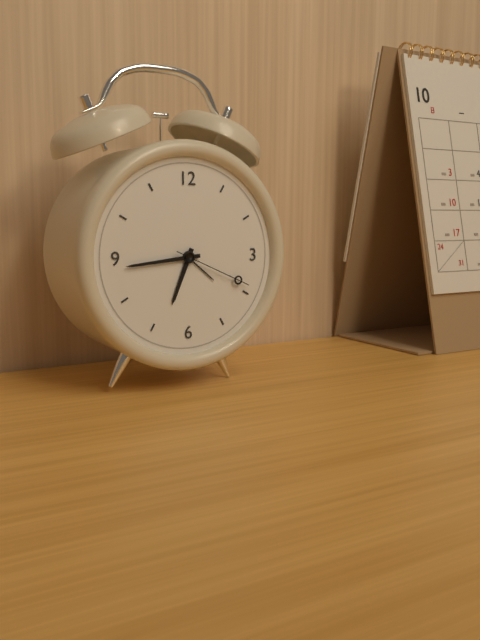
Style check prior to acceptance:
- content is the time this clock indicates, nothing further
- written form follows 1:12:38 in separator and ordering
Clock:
6:44:19
